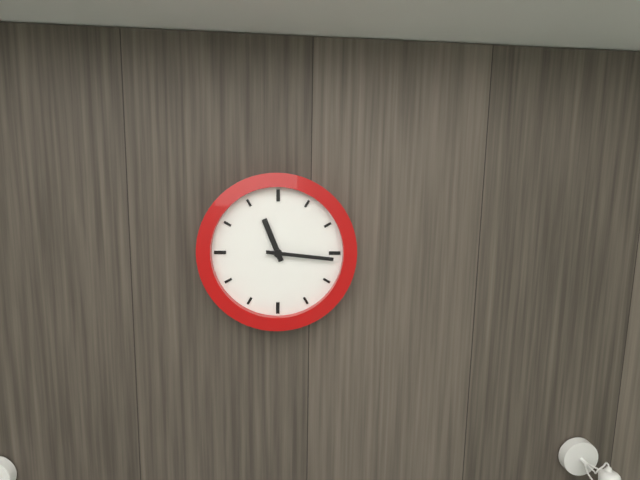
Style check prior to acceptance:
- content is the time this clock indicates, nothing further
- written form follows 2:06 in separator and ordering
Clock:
11:16
